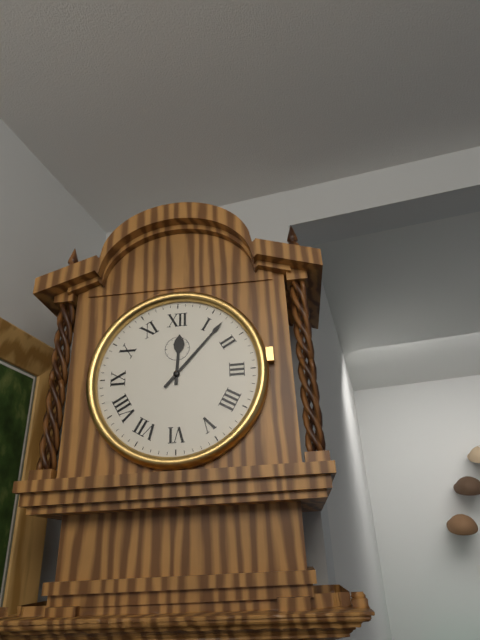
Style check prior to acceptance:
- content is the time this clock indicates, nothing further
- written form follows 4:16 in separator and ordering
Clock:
12:07
